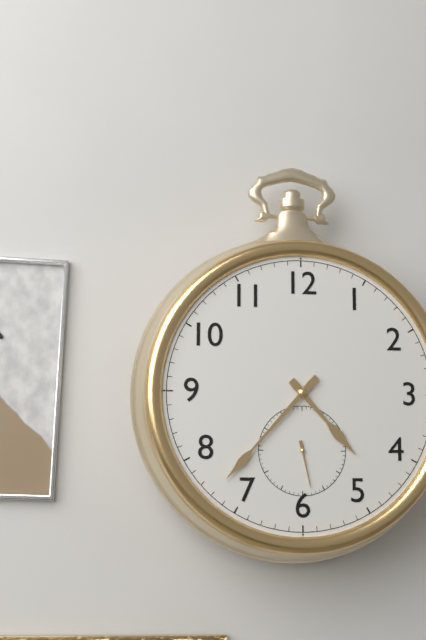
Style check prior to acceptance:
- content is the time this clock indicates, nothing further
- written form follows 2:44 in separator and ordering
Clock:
4:37
